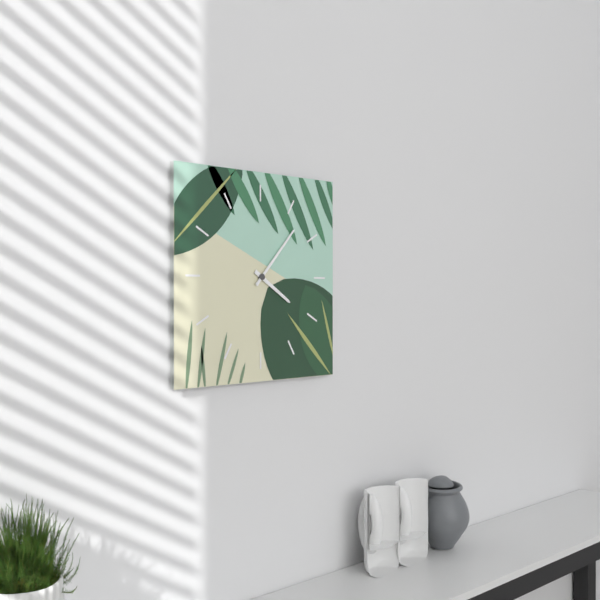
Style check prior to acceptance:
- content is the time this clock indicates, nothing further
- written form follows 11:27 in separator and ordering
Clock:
4:07
